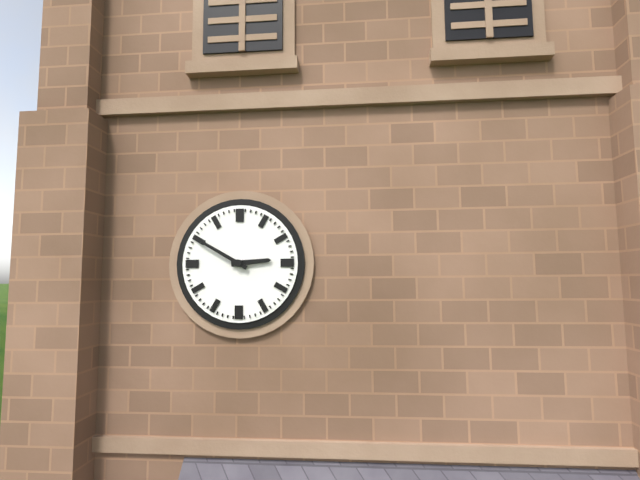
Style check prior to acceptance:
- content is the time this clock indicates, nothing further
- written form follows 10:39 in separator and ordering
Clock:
2:50
